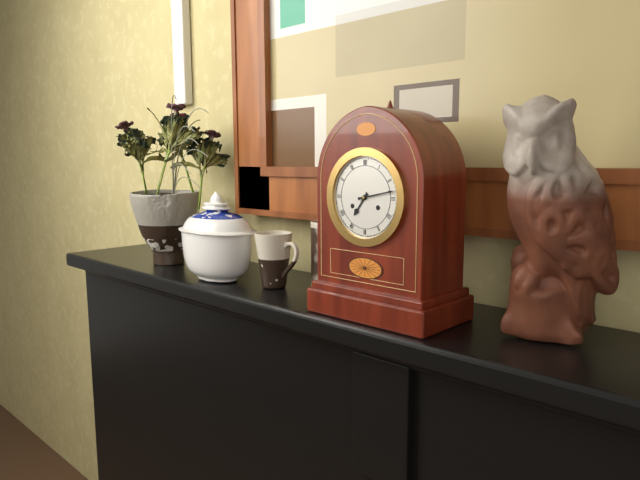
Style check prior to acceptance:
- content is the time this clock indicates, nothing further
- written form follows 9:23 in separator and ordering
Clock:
7:13
